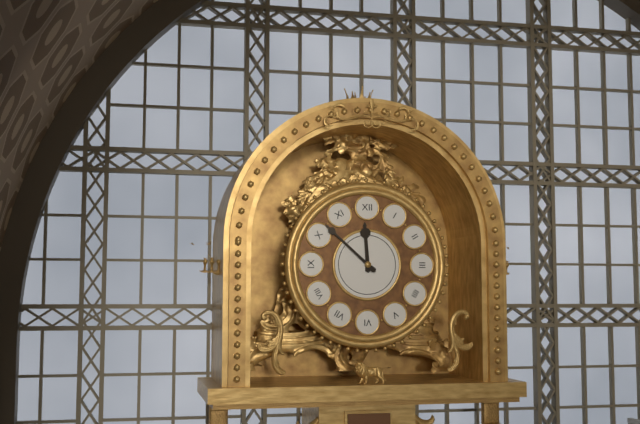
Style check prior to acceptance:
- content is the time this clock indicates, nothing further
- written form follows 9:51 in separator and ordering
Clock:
11:52
